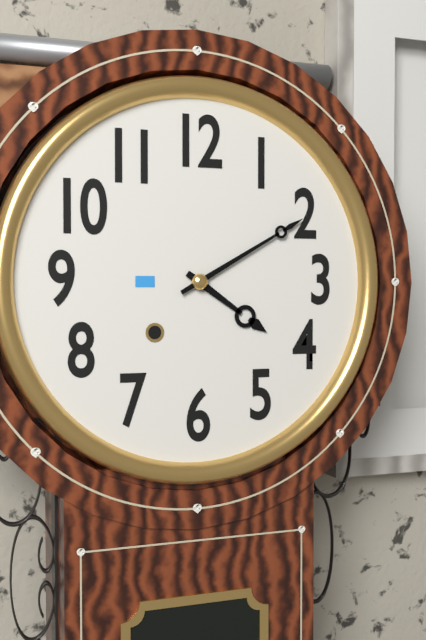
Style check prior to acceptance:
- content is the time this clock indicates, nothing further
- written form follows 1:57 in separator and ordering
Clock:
4:10
